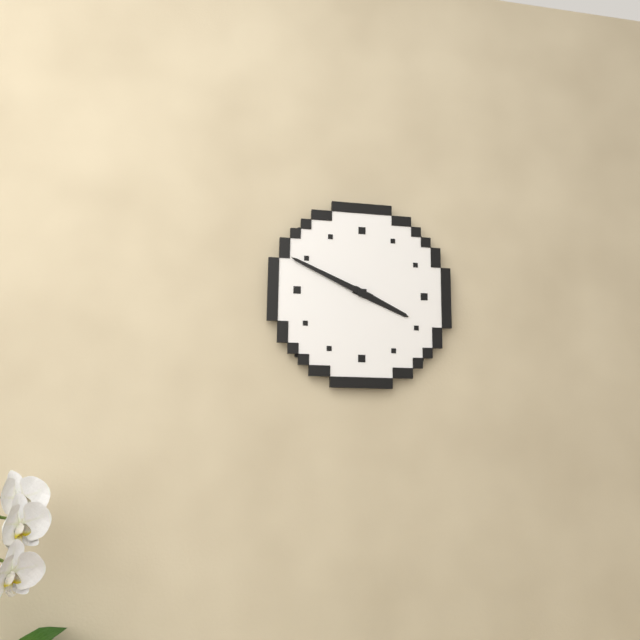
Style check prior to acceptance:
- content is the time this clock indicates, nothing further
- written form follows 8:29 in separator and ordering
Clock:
3:49
